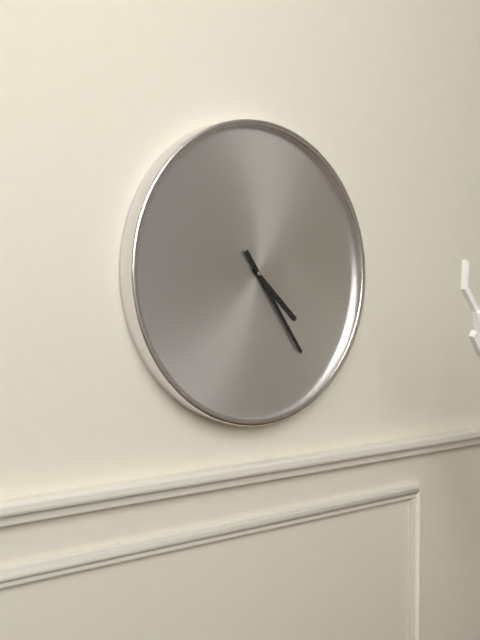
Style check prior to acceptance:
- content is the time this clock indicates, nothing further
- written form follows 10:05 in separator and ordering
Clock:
4:24
